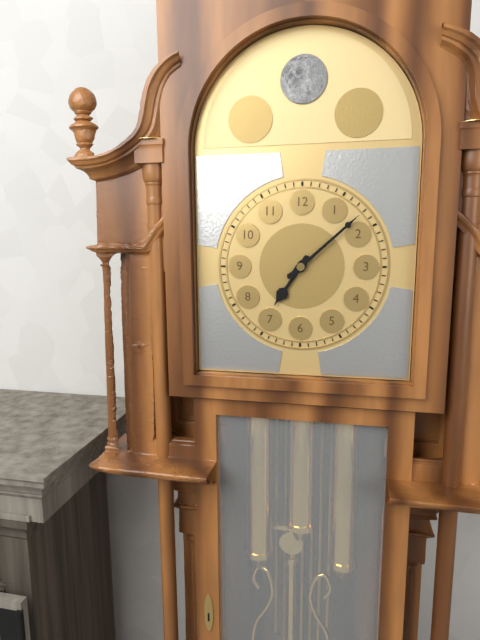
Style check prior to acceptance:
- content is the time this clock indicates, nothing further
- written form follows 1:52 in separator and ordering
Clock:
7:08
